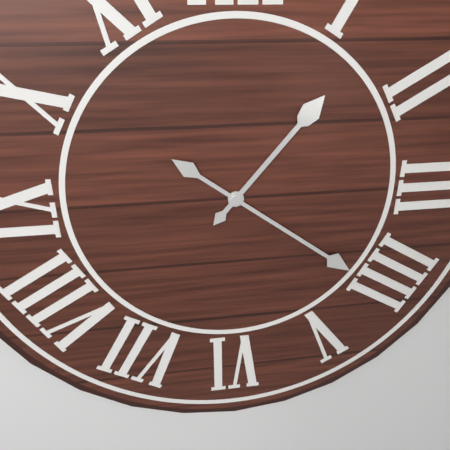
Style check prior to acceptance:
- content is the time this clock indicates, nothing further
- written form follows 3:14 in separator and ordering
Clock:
1:21
